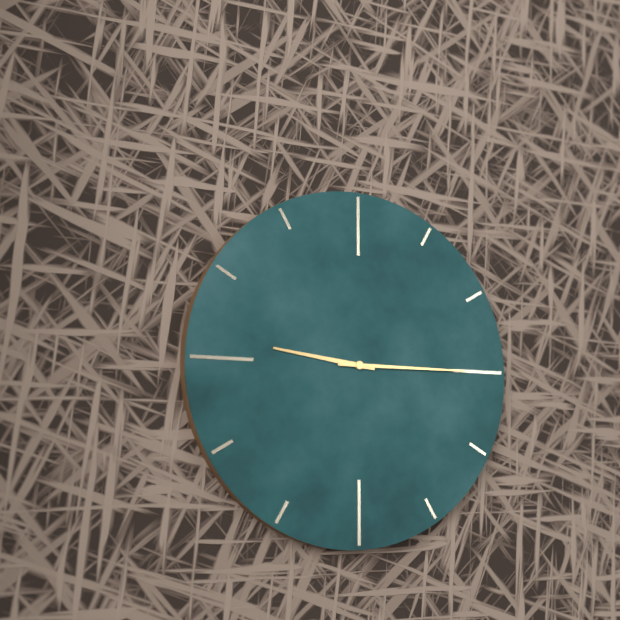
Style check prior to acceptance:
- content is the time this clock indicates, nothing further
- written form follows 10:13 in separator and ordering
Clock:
9:15
